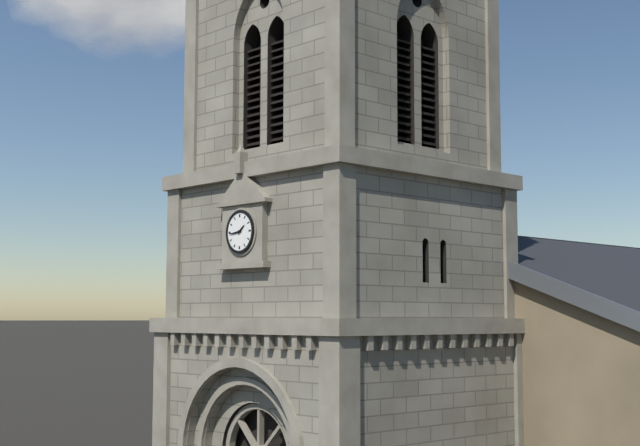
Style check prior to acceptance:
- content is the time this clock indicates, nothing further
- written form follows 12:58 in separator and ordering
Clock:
1:44
